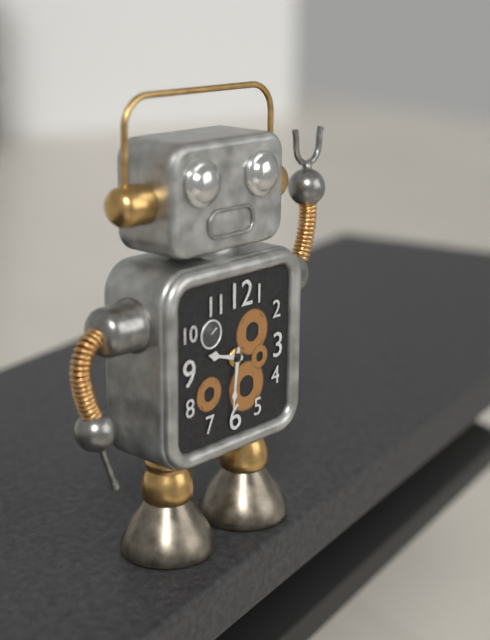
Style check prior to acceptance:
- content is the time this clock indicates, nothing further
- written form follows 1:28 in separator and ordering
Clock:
9:31
